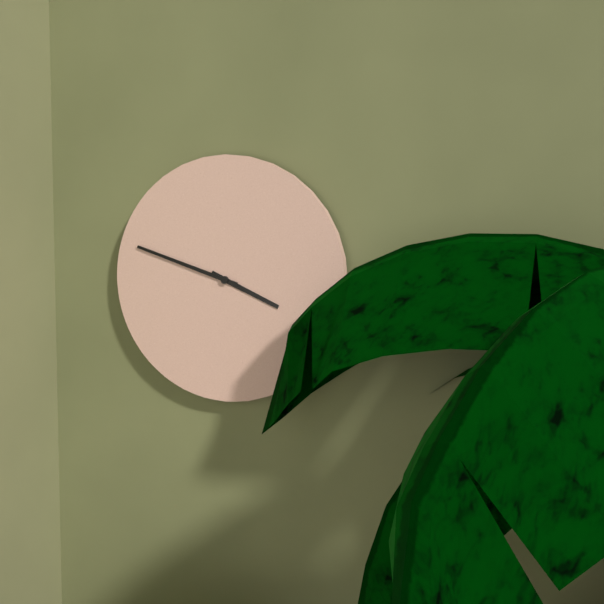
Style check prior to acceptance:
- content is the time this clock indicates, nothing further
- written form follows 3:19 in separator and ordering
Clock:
3:48
